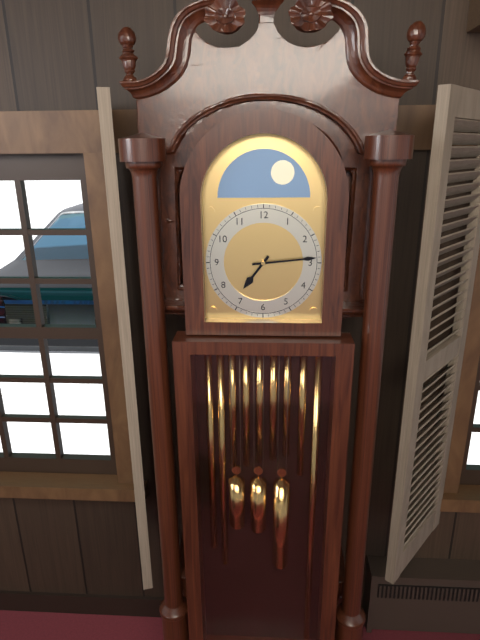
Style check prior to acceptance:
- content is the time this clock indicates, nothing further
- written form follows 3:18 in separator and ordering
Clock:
7:14
